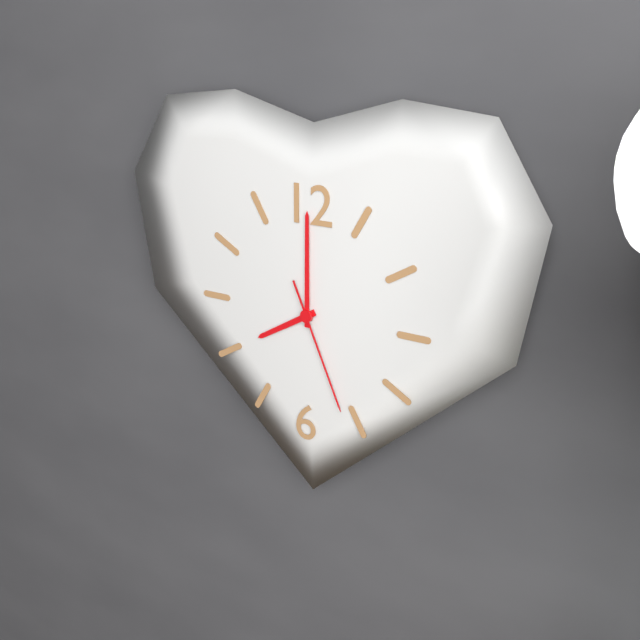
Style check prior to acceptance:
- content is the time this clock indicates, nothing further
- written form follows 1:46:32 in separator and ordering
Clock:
8:00:26
